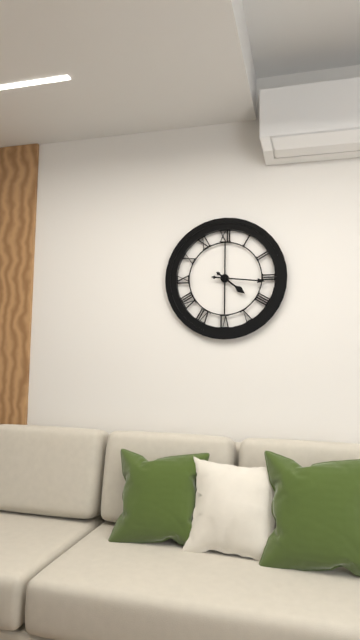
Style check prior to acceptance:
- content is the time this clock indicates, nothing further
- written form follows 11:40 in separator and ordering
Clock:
4:16
